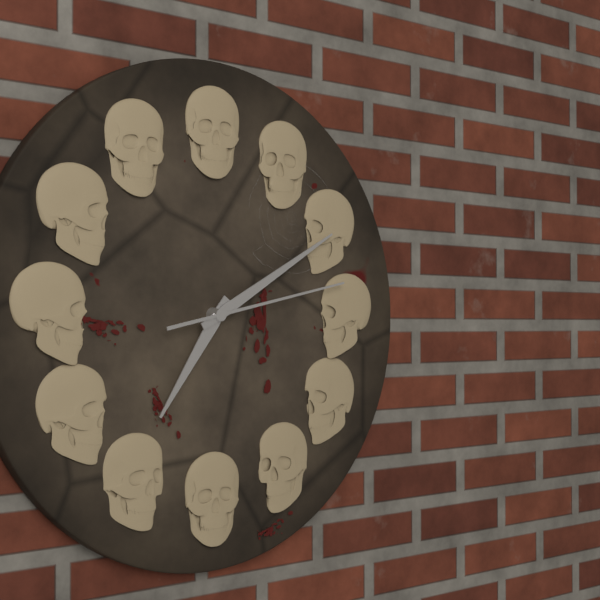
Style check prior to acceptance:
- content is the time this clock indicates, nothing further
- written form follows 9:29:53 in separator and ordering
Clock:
7:10:13
